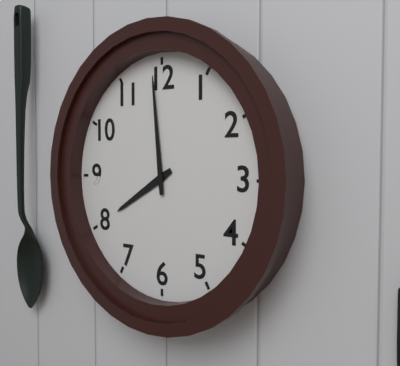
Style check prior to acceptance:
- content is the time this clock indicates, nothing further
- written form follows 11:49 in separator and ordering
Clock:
7:59
